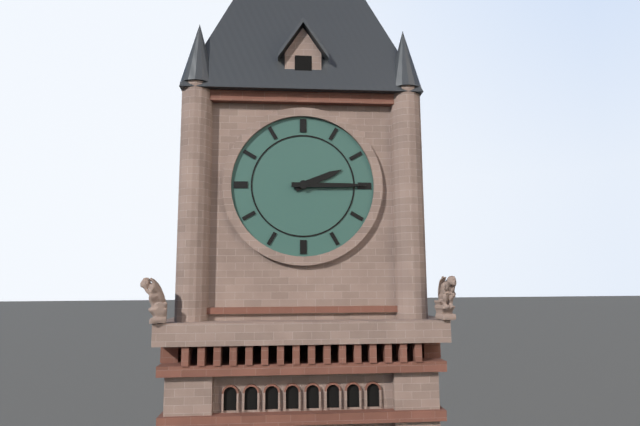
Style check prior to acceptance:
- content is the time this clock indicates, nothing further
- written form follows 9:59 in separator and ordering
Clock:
2:15
